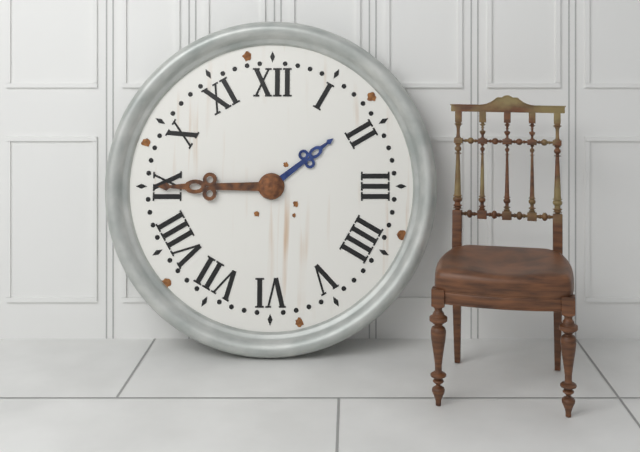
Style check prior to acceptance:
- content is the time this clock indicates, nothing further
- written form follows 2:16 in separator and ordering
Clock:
1:45
